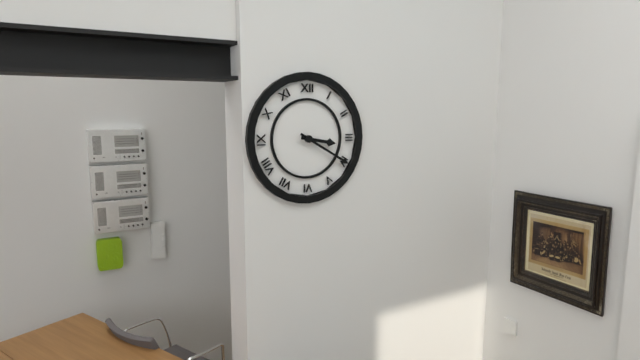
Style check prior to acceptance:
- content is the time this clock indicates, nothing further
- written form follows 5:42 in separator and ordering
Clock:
3:20
